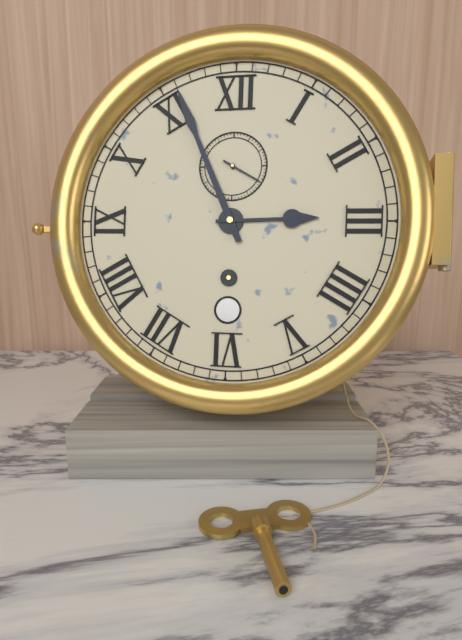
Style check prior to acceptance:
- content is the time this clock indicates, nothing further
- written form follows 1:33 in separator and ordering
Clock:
2:56
